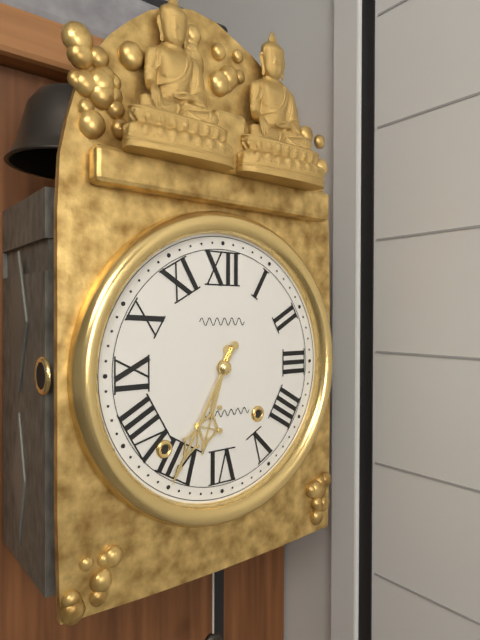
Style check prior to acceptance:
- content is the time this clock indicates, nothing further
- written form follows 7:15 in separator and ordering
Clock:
6:35
